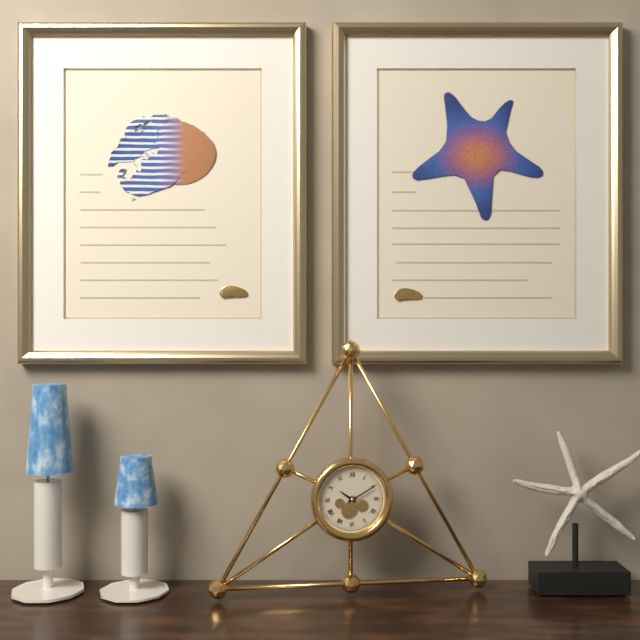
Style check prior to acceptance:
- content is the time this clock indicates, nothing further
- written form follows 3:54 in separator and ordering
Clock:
10:10
